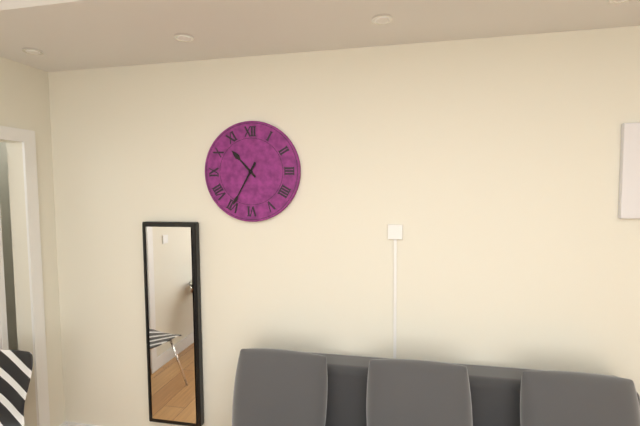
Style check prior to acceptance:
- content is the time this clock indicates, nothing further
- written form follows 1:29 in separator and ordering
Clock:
10:35
